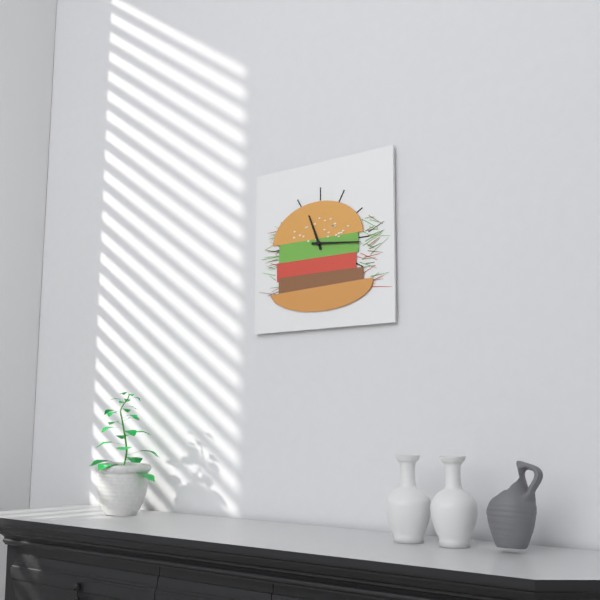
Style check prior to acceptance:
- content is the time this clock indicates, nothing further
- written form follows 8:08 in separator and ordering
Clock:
11:16
